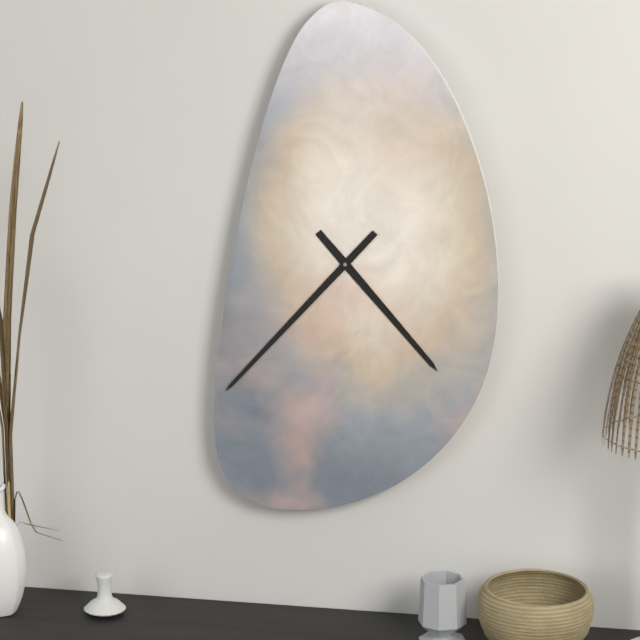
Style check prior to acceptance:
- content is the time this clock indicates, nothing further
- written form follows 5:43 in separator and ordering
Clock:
4:37
